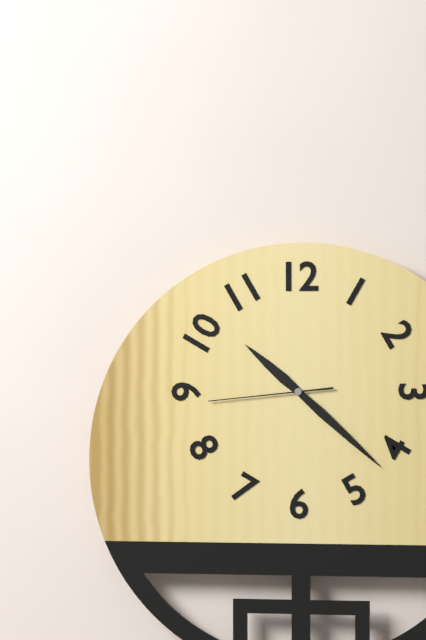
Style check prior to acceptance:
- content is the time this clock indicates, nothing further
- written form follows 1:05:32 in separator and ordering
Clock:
10:22:44
